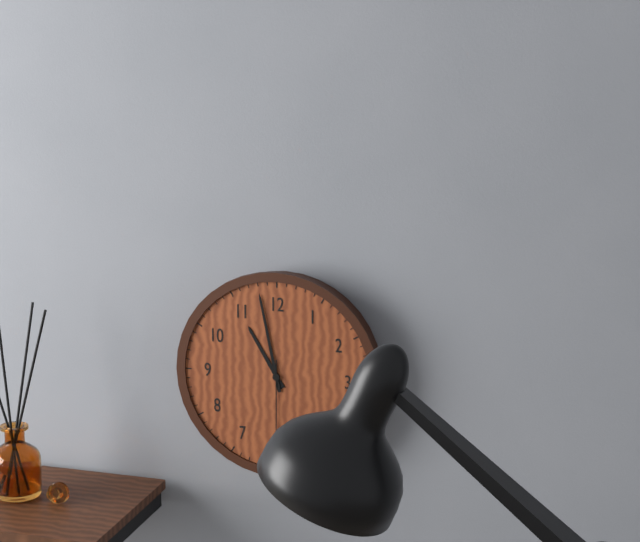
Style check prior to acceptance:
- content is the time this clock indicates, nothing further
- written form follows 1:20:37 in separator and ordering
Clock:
10:58:30
